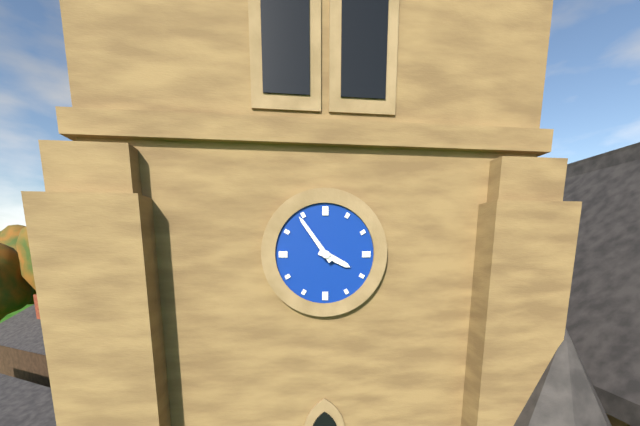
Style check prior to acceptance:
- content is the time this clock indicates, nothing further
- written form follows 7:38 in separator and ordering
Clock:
3:54
